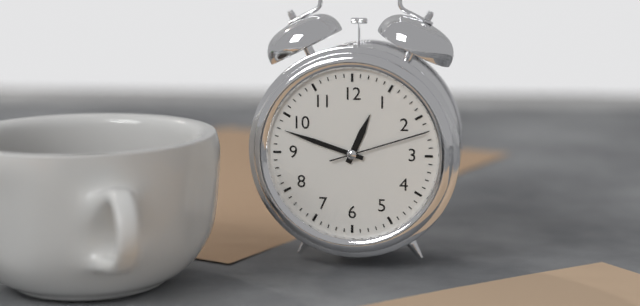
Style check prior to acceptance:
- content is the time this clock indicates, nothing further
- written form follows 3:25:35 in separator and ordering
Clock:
12:48:12
